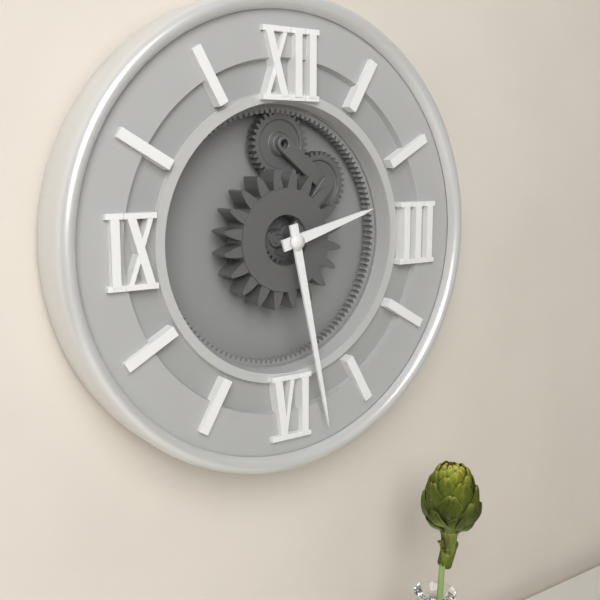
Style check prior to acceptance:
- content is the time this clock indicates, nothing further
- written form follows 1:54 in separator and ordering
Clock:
2:28
